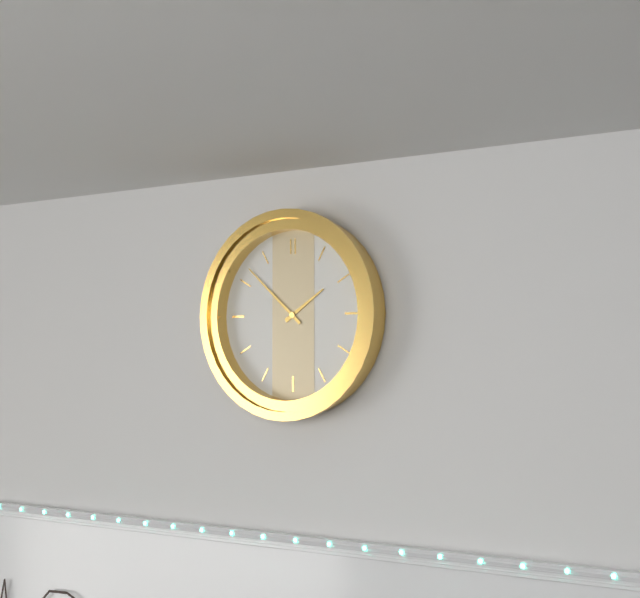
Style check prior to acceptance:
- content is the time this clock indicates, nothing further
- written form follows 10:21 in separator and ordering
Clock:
1:52
